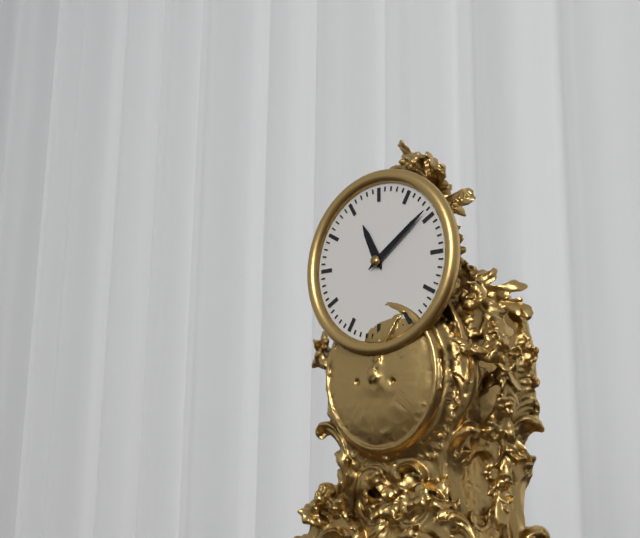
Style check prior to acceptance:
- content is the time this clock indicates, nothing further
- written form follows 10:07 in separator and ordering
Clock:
11:09
